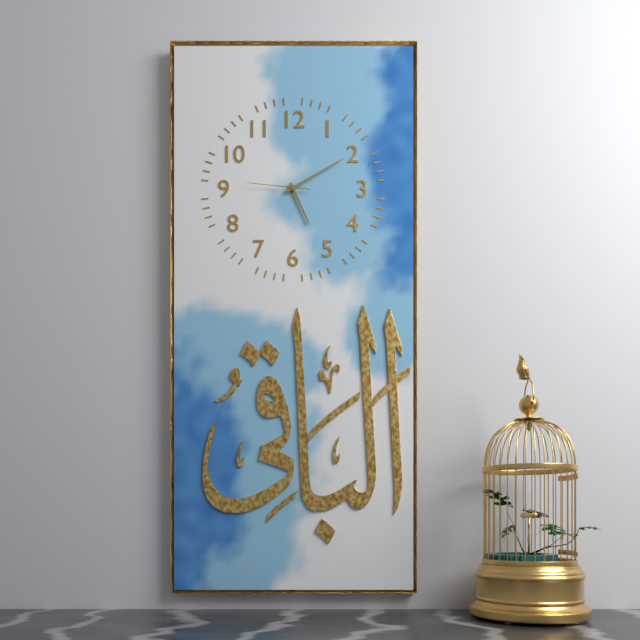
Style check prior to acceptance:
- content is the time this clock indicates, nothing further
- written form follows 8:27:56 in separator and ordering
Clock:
5:10:46
